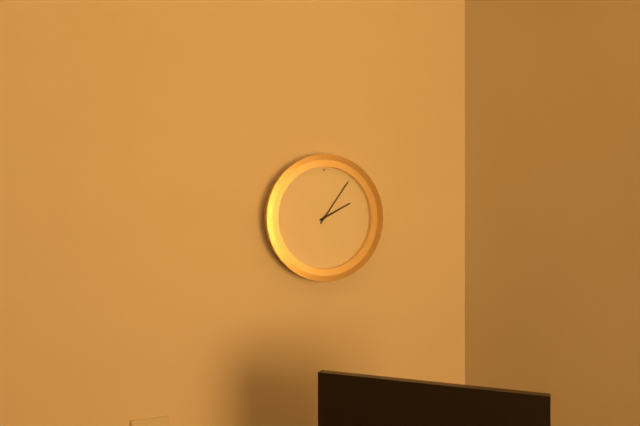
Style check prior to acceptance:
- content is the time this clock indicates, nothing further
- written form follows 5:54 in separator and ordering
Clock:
2:06
